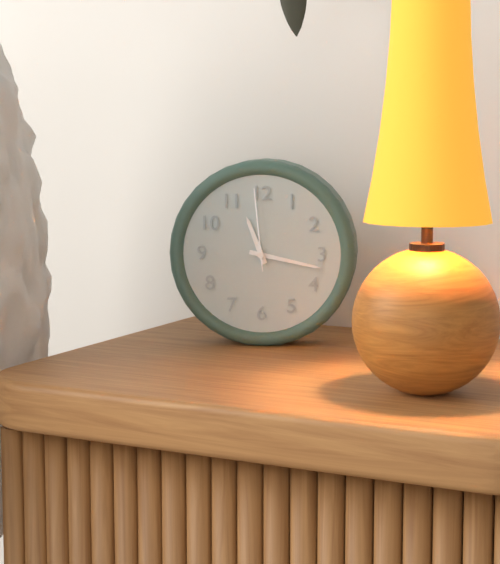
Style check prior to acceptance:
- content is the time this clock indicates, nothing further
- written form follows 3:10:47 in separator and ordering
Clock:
11:17:59
